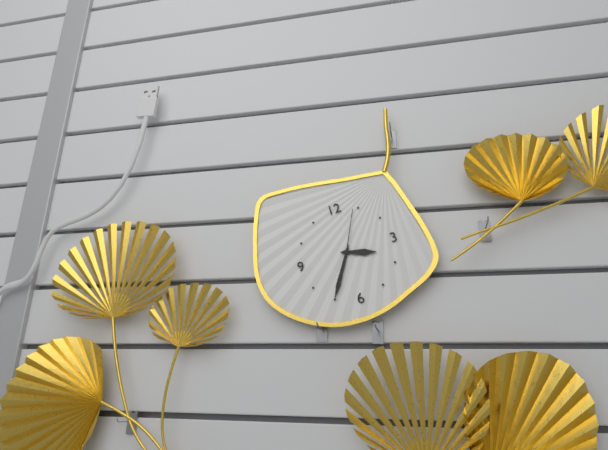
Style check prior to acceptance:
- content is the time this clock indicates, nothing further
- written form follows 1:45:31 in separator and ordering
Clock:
3:35:04
